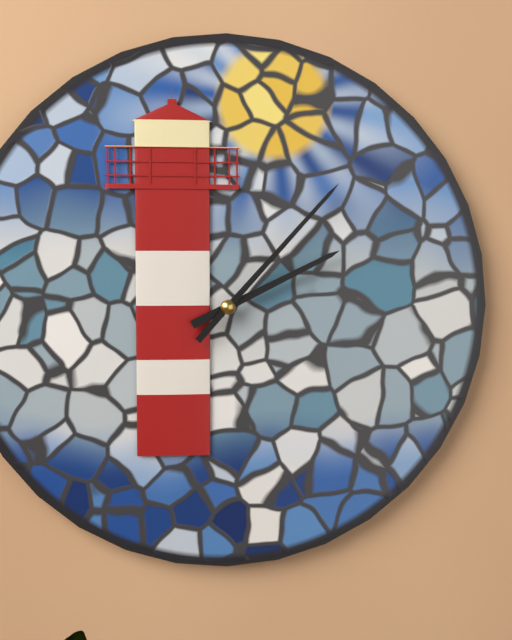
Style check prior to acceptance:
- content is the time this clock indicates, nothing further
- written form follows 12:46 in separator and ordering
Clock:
2:07
